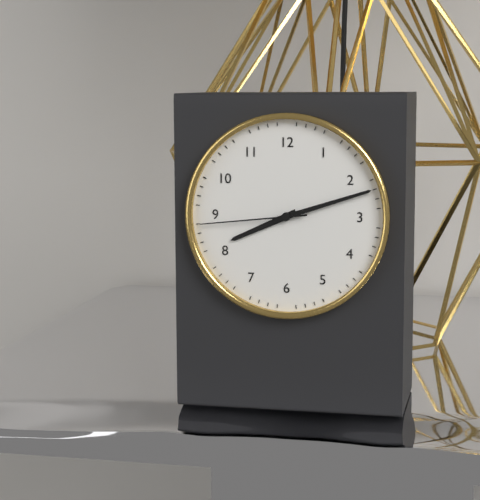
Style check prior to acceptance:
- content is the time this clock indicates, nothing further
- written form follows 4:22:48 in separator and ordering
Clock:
8:12:44
